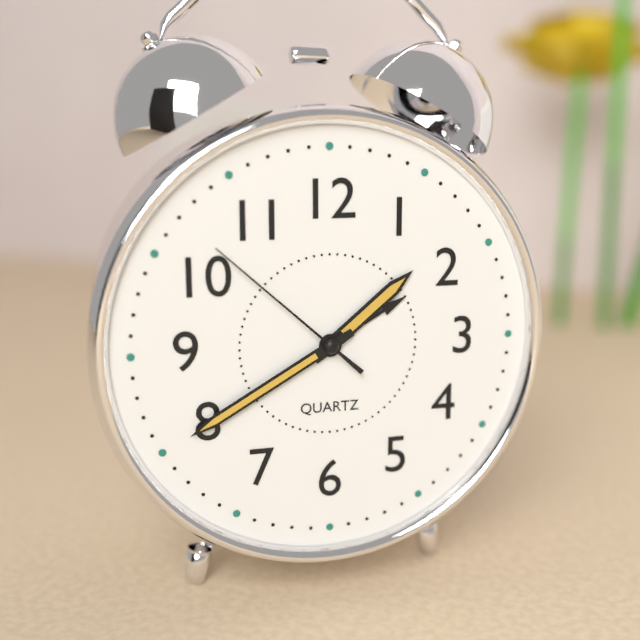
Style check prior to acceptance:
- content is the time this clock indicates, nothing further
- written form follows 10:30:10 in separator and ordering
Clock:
1:40:52
